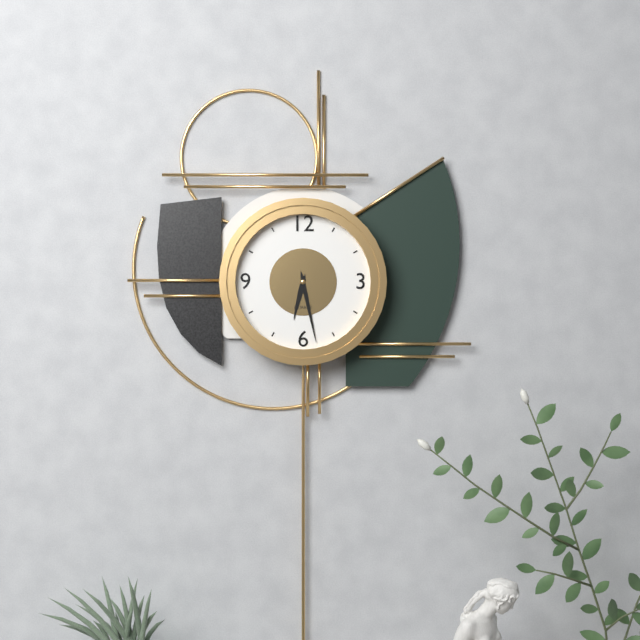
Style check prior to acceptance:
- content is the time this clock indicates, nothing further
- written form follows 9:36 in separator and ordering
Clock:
6:28
